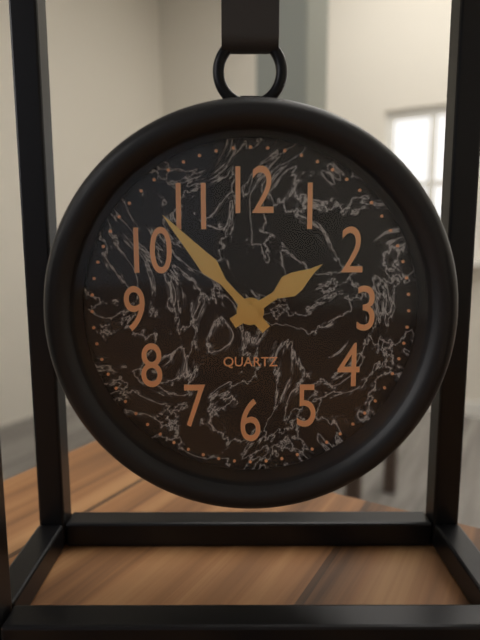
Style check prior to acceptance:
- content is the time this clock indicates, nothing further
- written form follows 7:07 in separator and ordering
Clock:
1:53
